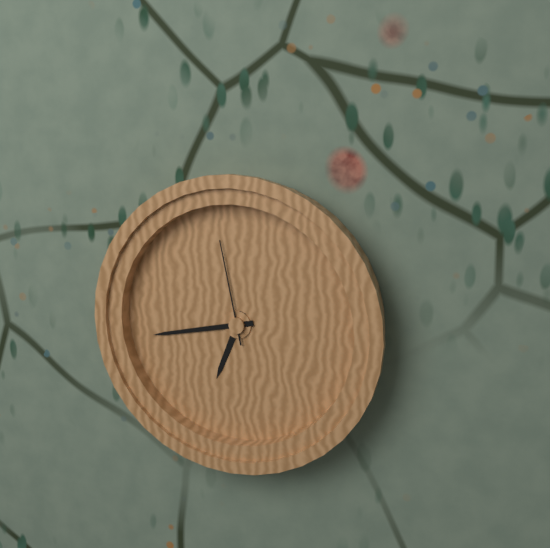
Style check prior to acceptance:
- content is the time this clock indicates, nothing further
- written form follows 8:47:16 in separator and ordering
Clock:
6:43:58
